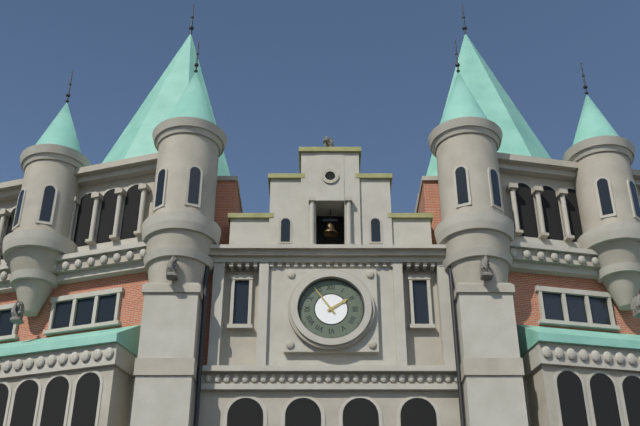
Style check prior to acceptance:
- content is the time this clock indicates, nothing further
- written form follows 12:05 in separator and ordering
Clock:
1:54
